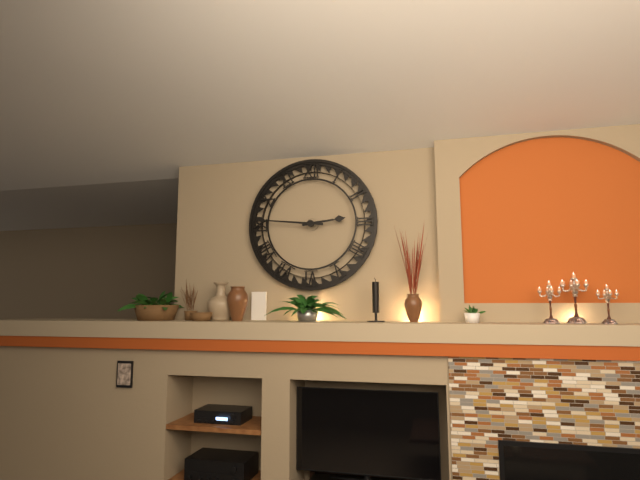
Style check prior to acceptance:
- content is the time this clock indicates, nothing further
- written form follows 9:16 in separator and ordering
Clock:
2:46
